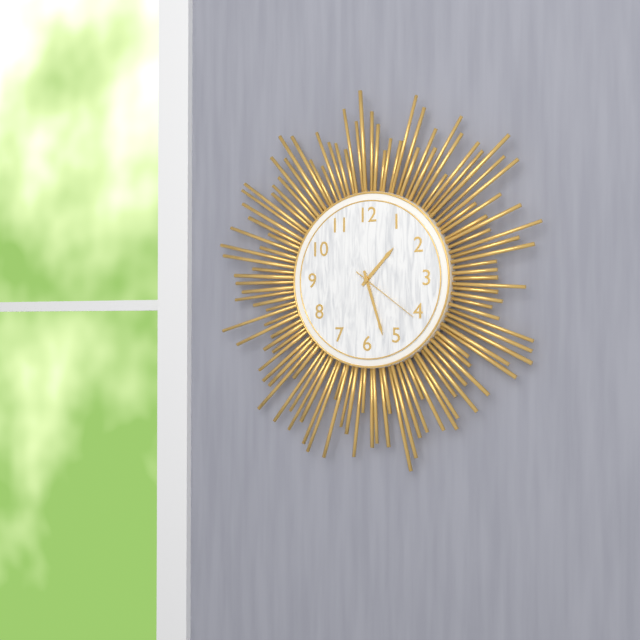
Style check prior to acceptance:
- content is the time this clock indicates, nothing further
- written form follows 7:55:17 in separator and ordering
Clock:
1:27:21
